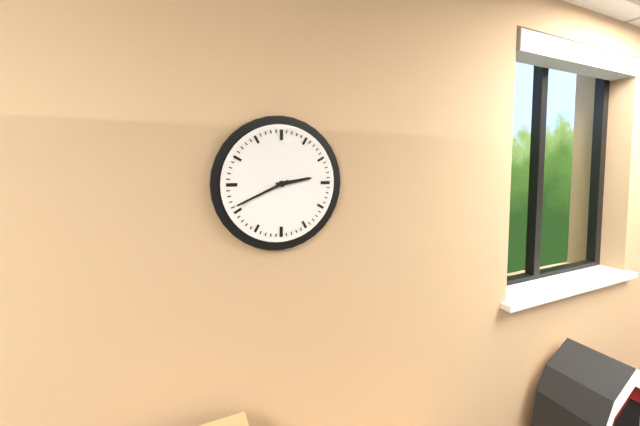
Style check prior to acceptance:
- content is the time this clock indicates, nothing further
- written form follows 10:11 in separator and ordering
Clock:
2:41
